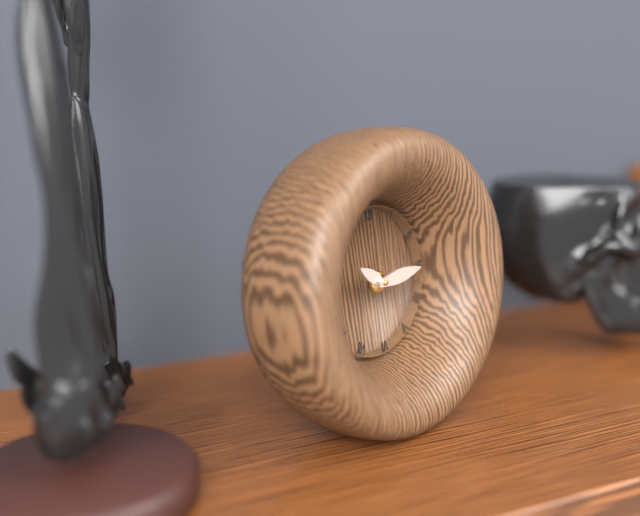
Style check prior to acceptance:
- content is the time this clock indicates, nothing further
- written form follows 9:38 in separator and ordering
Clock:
10:15
